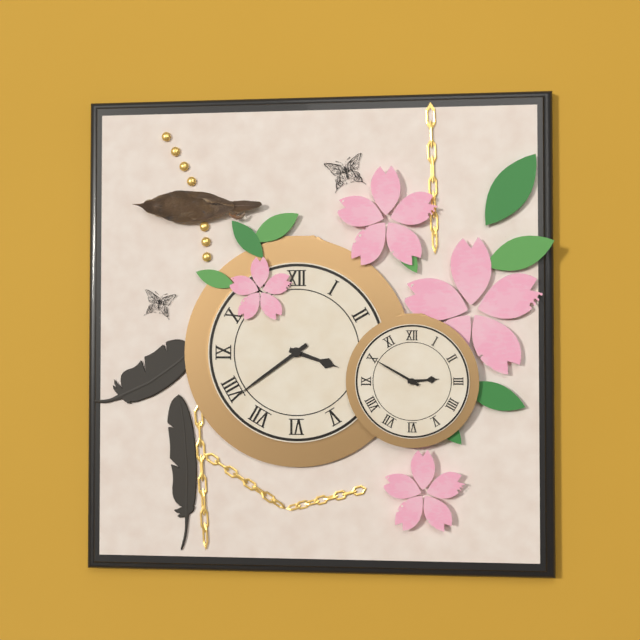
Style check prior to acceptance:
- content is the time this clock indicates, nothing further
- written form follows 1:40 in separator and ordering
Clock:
3:39
